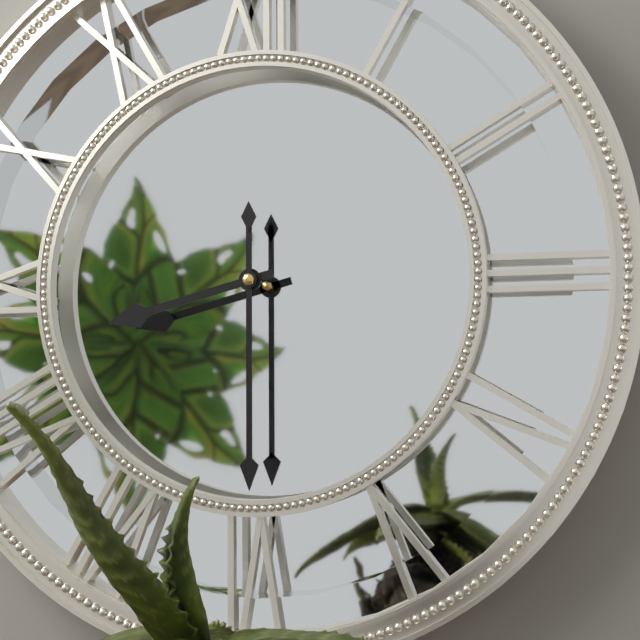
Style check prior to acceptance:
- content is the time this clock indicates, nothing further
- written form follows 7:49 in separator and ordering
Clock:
8:30
